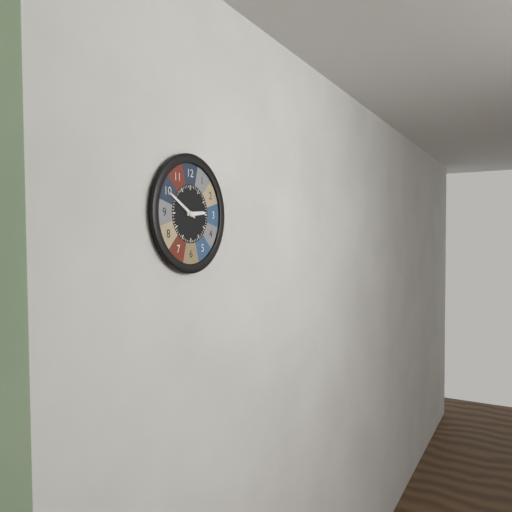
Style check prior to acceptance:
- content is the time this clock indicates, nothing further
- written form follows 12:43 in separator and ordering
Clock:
2:50
